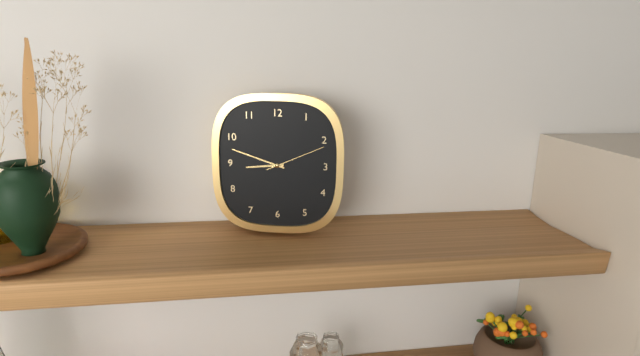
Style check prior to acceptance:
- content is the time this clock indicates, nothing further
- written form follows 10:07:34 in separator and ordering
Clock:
8:48:11
